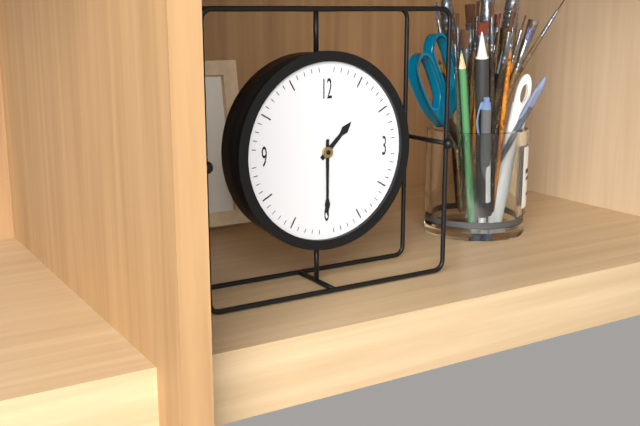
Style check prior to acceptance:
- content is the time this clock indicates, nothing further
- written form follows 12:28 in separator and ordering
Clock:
1:30
